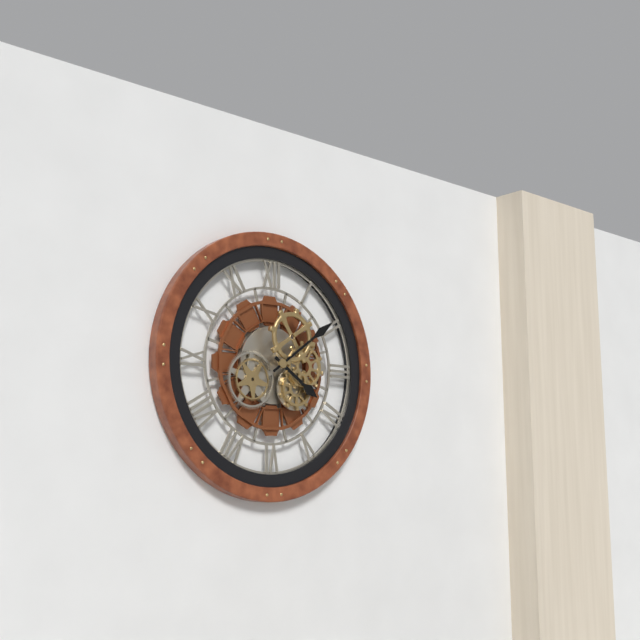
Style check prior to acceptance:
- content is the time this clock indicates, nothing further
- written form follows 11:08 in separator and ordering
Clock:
4:09
